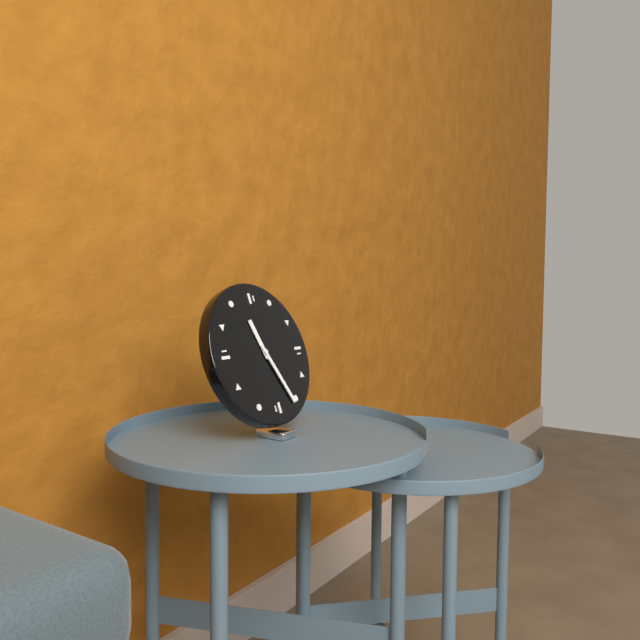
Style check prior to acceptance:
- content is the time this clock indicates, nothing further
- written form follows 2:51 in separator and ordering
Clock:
11:26
